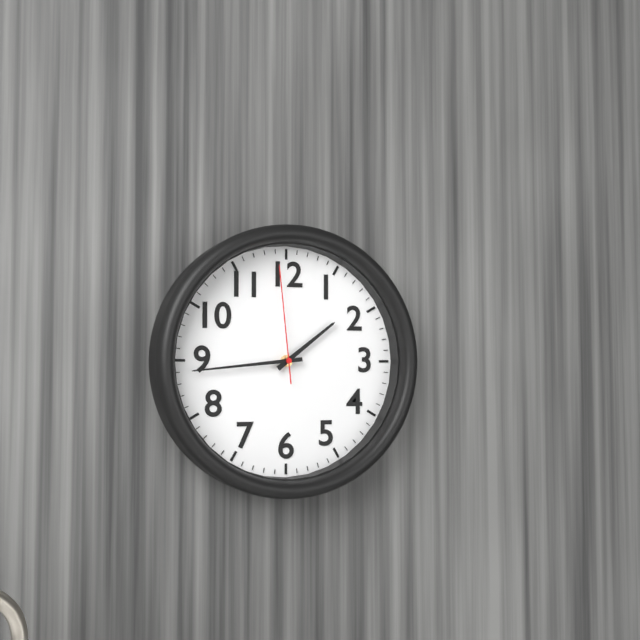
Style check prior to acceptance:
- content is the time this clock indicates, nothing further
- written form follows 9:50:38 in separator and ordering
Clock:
1:44:59
